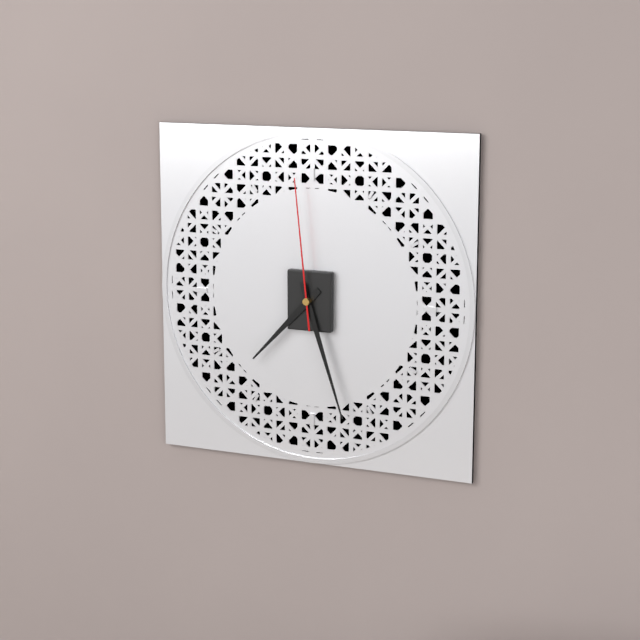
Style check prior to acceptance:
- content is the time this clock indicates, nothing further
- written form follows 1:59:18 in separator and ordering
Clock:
7:27:59
